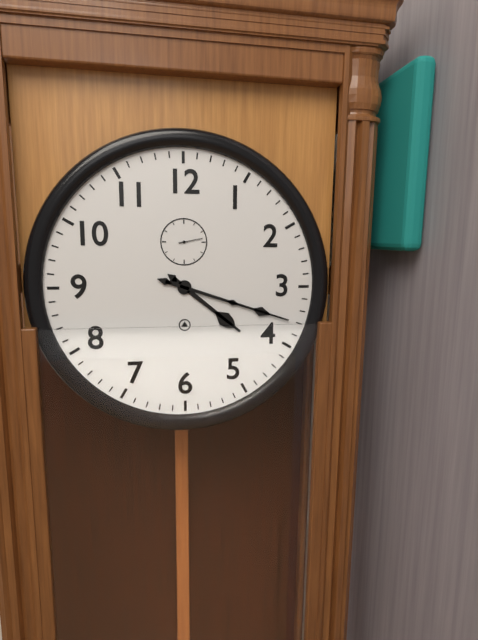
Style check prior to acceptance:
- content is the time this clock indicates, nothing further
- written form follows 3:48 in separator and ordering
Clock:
4:18
